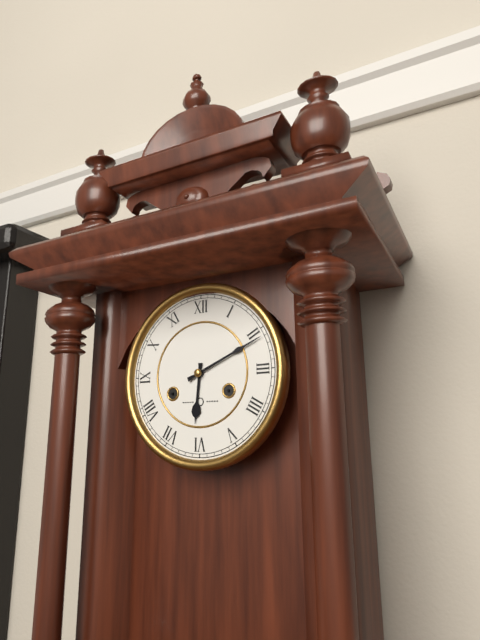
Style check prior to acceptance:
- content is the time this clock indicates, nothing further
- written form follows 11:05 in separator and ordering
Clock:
6:11
